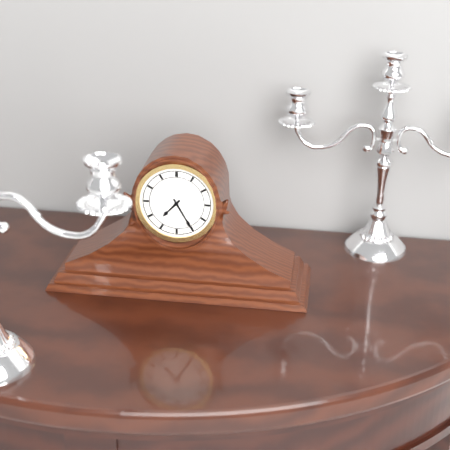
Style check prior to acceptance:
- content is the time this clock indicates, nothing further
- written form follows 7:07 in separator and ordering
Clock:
7:25
